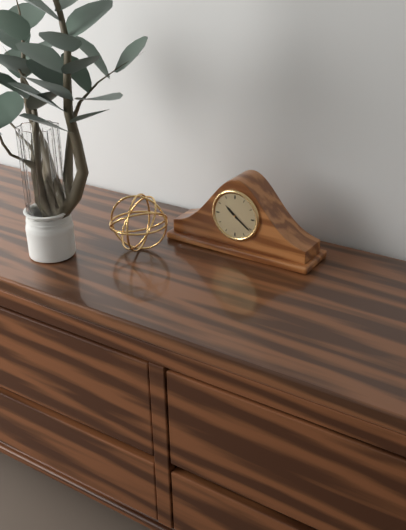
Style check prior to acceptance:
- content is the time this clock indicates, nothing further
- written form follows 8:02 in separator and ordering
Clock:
10:21
